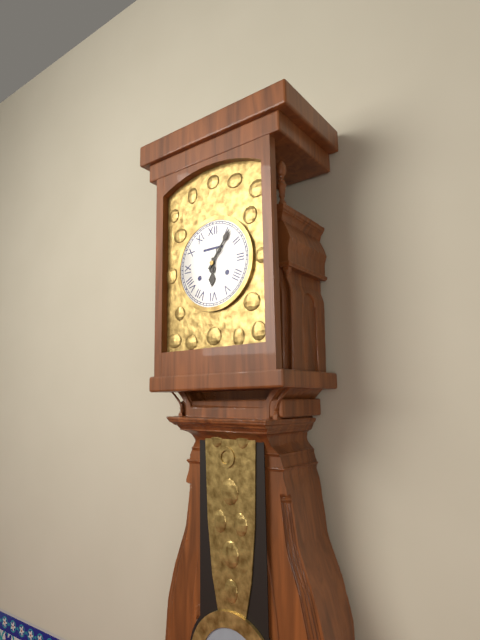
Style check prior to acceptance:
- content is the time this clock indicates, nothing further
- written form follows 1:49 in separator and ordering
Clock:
6:06
